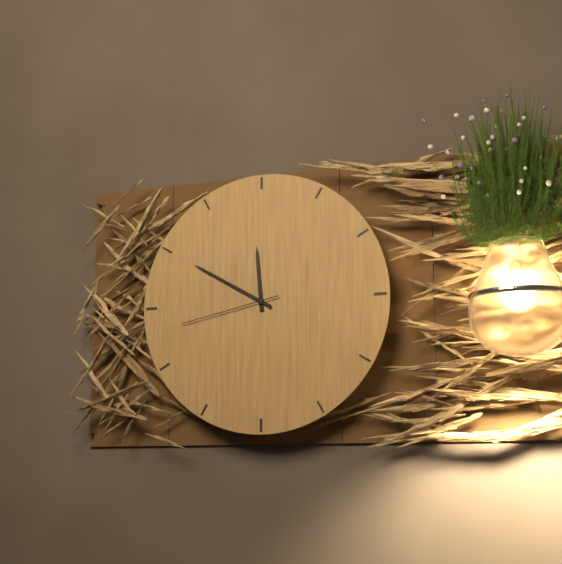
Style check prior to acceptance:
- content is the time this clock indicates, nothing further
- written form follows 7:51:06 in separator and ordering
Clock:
11:50:43
